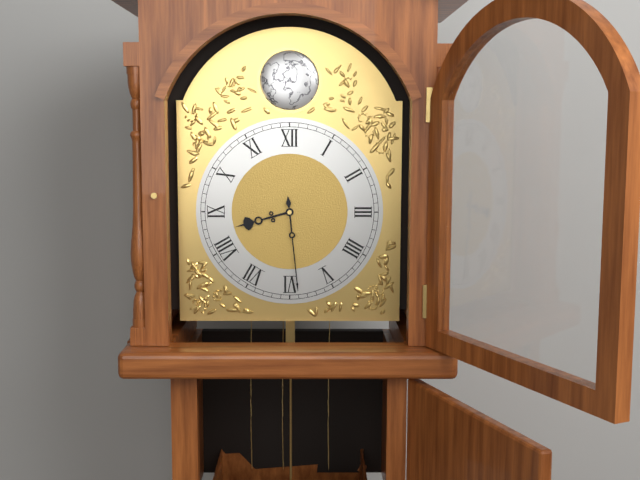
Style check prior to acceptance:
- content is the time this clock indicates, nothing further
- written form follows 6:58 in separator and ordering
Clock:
8:29
